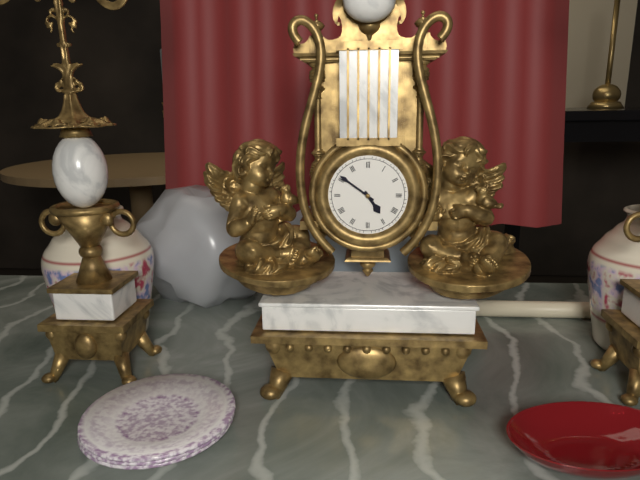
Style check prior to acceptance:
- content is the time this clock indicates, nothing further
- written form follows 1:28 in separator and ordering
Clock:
4:51
